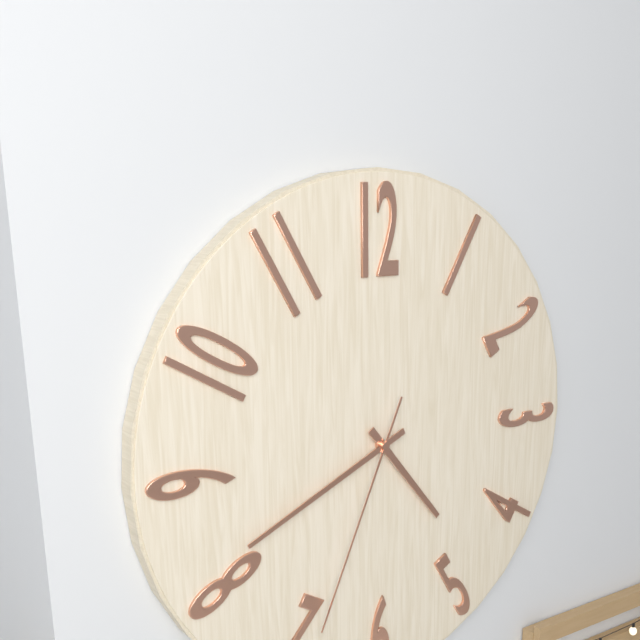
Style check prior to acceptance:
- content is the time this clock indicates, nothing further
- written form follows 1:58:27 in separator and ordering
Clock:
4:41:34
